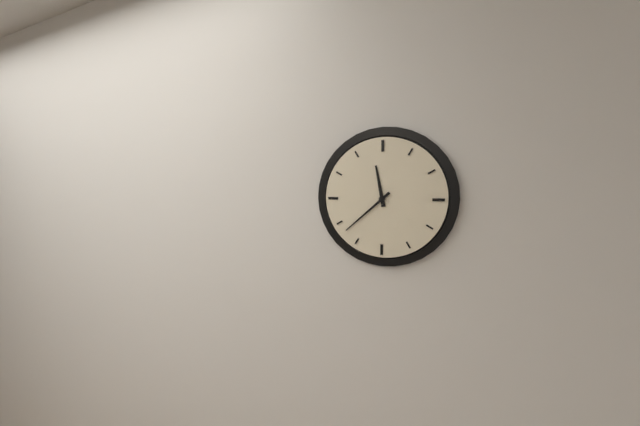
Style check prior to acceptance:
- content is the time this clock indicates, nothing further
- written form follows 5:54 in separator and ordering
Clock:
11:38
